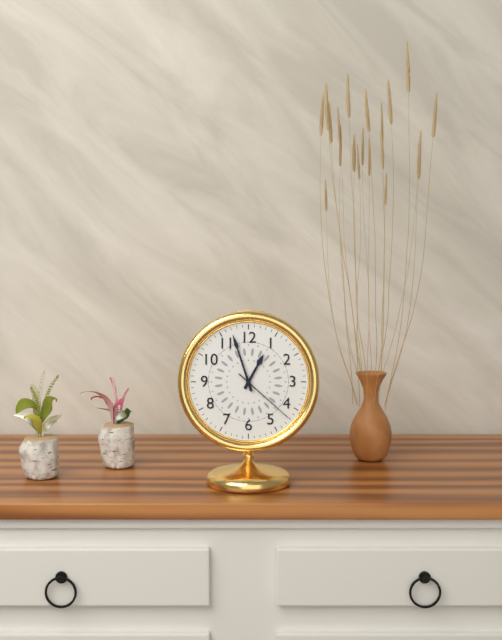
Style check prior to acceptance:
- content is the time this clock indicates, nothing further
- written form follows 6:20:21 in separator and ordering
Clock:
12:57:22
